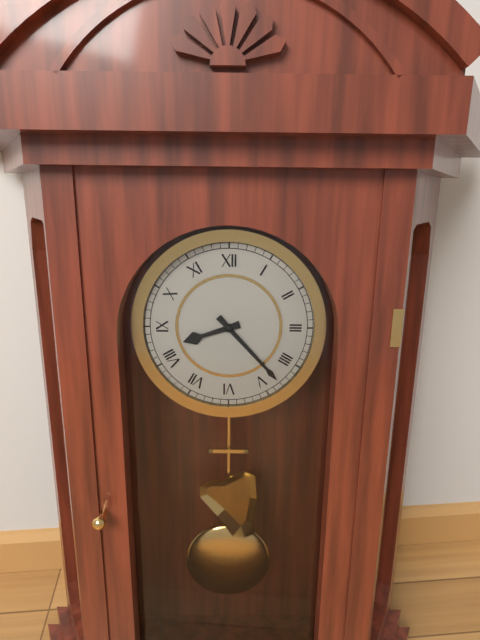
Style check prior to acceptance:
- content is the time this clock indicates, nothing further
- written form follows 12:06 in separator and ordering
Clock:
8:23
